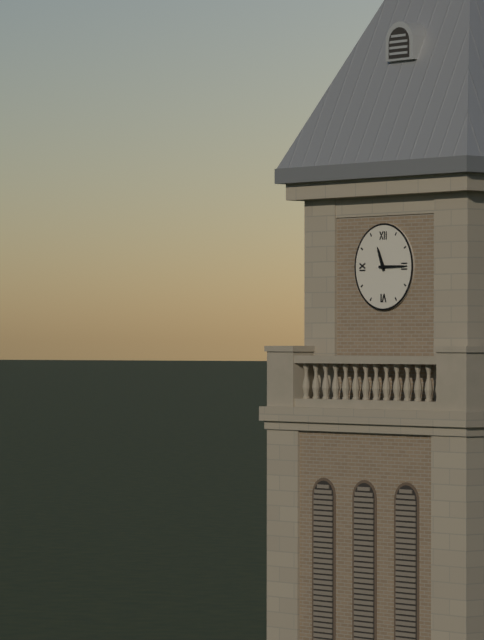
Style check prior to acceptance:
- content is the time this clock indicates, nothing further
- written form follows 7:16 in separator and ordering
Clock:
11:15
